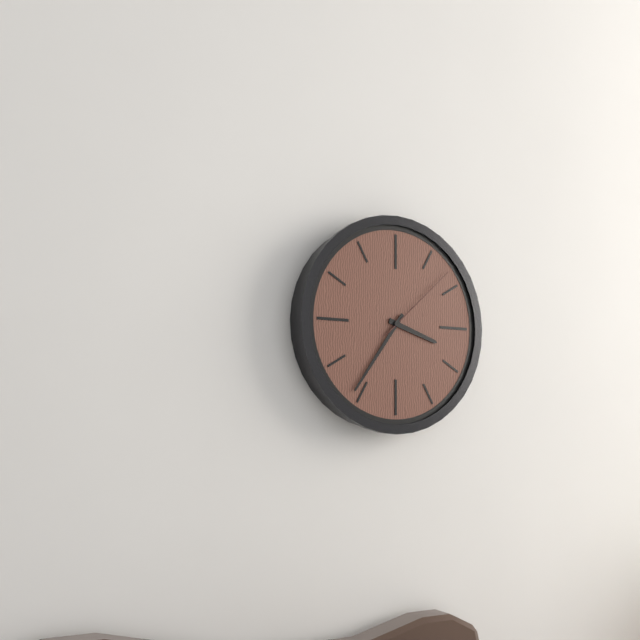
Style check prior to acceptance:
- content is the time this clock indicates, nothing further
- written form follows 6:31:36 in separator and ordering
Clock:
3:36:08
